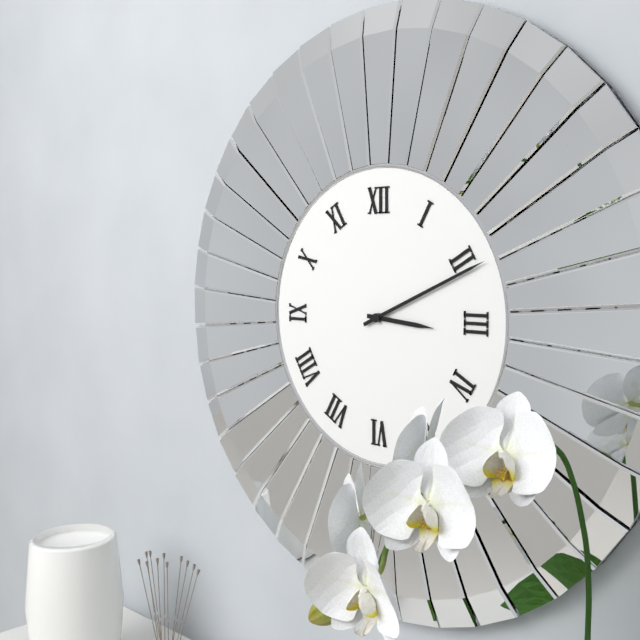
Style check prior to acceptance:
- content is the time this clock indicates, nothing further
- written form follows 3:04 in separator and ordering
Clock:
3:11
